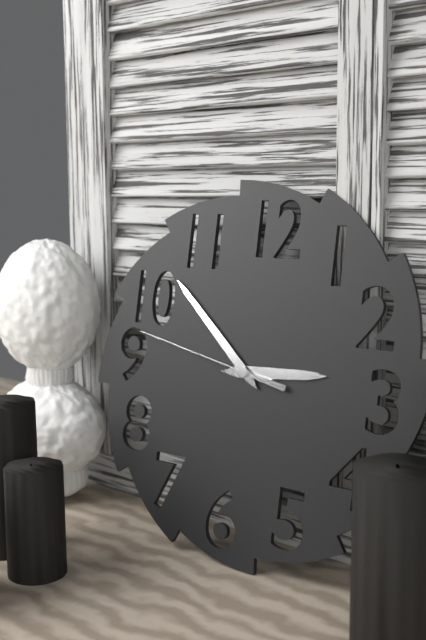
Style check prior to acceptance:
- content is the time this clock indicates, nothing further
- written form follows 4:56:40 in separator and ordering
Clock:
2:52:47
